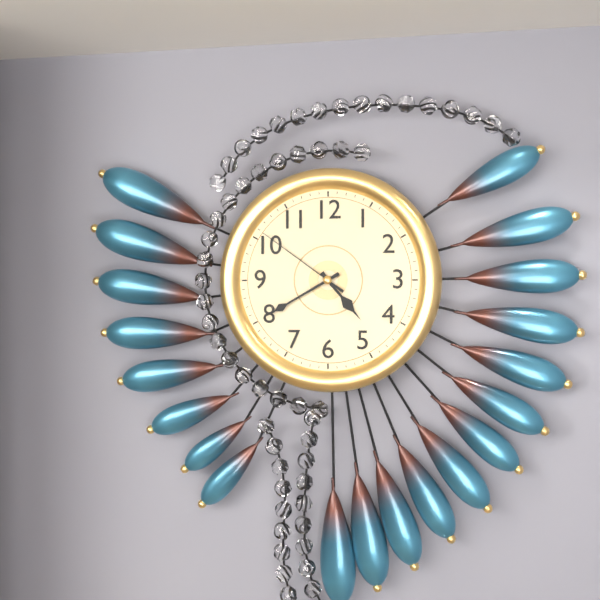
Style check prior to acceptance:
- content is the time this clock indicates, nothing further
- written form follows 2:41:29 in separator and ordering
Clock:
4:40:51
